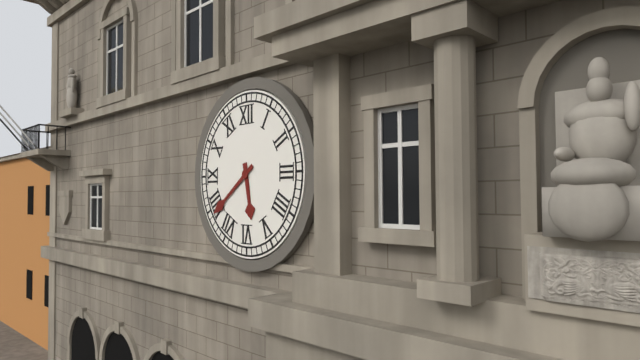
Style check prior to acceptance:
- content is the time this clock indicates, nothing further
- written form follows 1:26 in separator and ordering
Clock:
5:39
